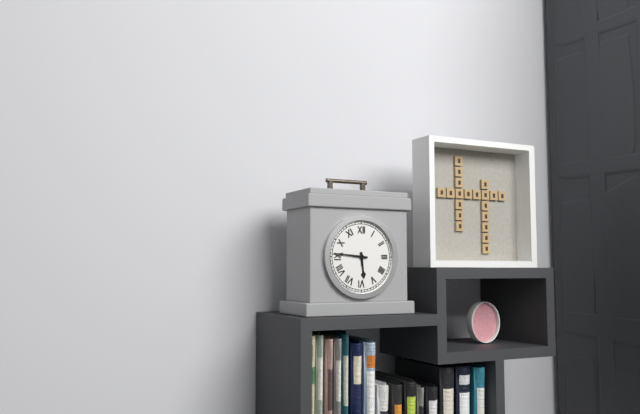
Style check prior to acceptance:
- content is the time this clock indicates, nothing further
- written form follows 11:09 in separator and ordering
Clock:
5:46
